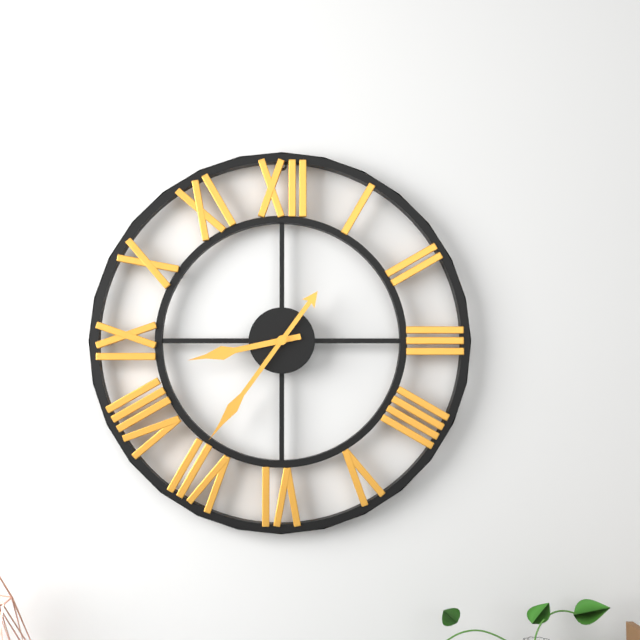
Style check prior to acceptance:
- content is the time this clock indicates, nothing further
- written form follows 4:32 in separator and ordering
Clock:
8:36
